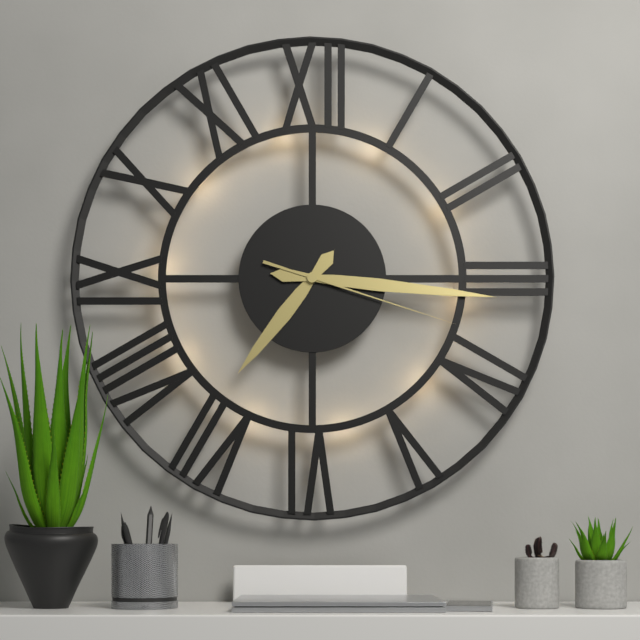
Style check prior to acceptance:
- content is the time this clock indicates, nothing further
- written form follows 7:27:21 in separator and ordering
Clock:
7:16:18
